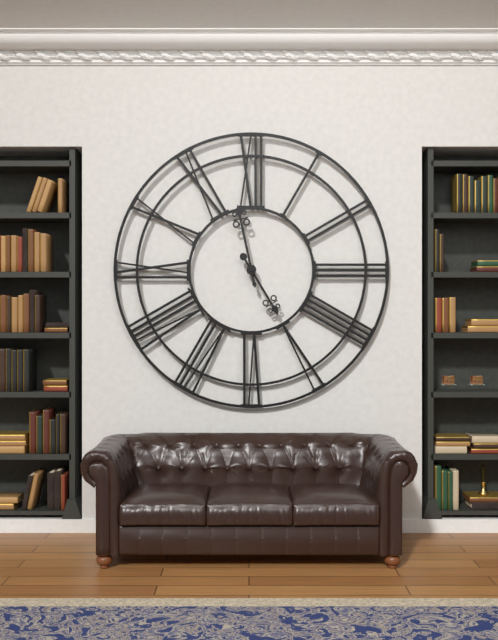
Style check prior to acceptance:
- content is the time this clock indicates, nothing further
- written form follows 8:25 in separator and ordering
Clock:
4:58
